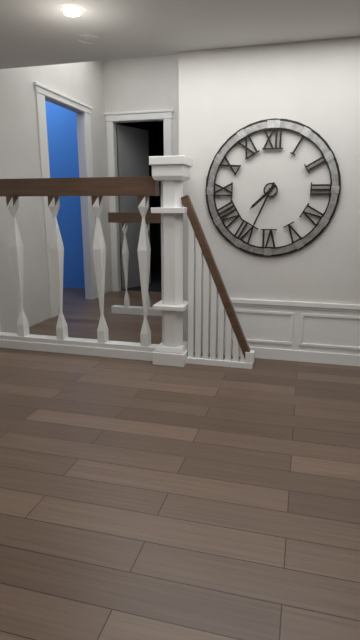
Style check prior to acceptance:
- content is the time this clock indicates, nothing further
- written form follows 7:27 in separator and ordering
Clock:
7:34
